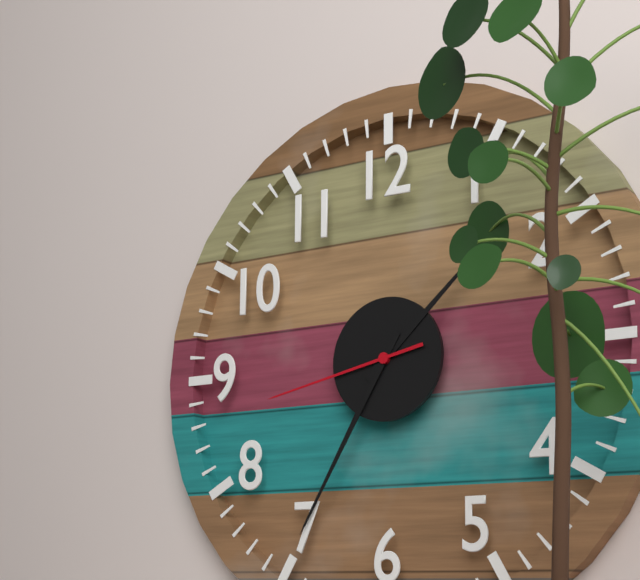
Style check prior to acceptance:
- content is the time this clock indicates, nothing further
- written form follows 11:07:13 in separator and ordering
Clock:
1:35:43
